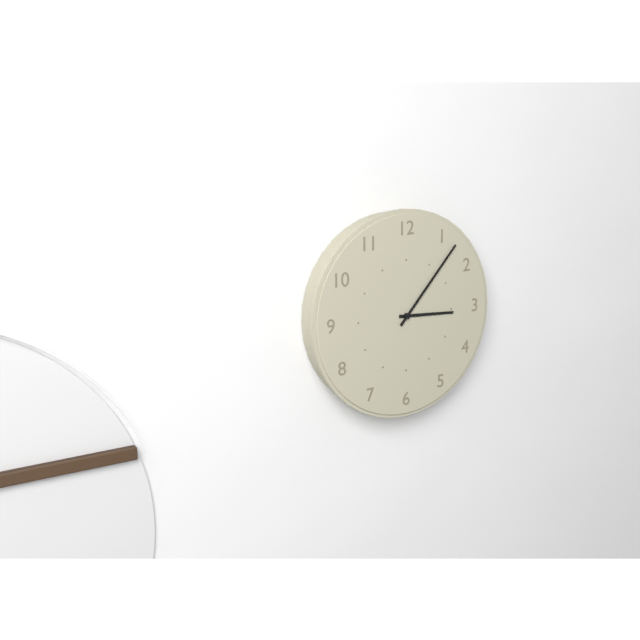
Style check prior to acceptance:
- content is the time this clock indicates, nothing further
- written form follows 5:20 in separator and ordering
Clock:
3:07
